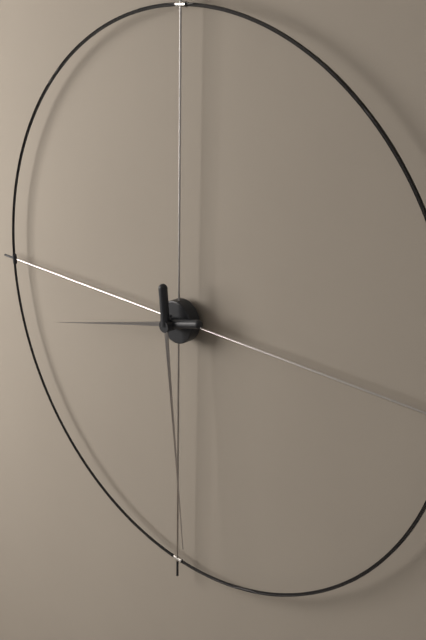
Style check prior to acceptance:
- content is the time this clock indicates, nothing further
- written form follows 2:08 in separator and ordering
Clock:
8:29
